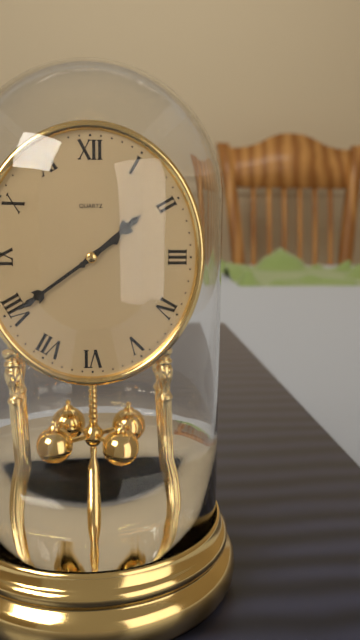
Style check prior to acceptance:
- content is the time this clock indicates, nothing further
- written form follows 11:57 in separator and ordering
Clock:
1:39
